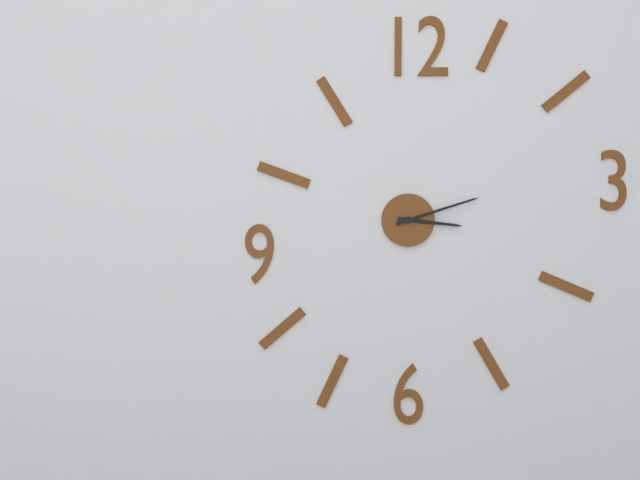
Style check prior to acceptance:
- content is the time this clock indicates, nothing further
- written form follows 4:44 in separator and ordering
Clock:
3:12
